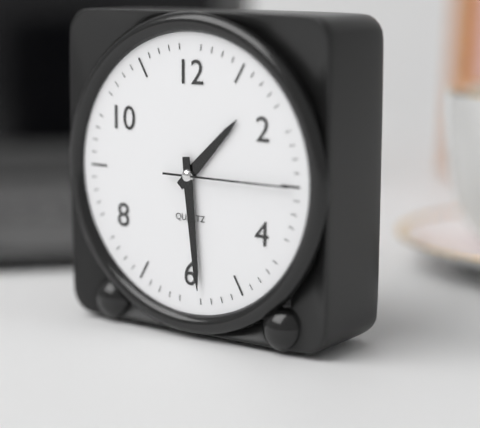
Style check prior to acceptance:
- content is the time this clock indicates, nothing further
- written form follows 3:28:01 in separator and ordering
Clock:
1:29:15
